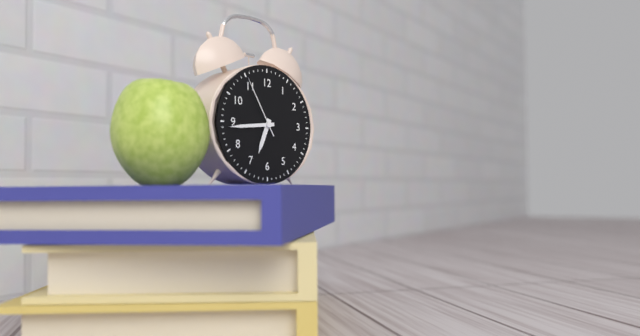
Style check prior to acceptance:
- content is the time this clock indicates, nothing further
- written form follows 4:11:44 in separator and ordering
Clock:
6:44:55
